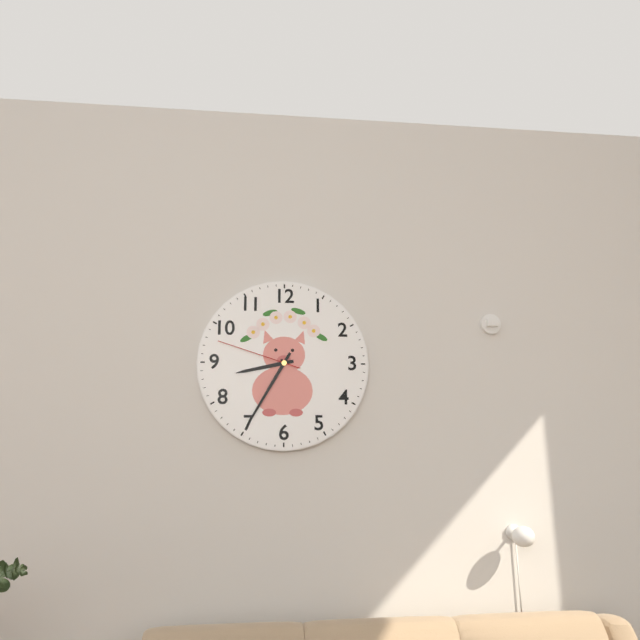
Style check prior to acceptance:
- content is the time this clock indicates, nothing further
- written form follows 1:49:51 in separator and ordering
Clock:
8:35:48
